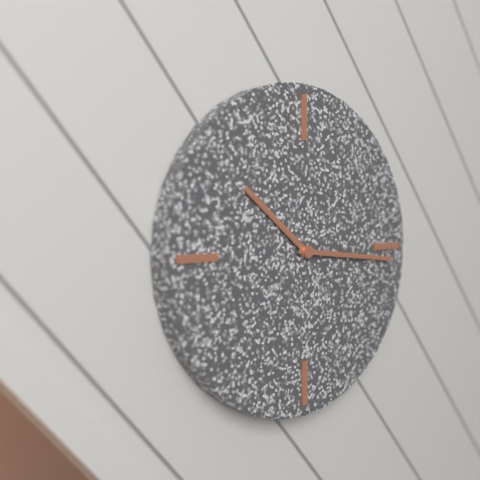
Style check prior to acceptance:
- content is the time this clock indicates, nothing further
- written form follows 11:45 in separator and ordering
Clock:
10:16
